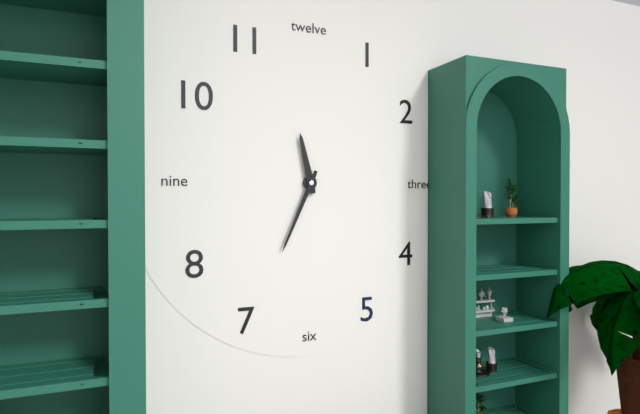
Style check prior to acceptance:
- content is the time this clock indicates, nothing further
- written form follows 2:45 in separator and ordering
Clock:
11:34
